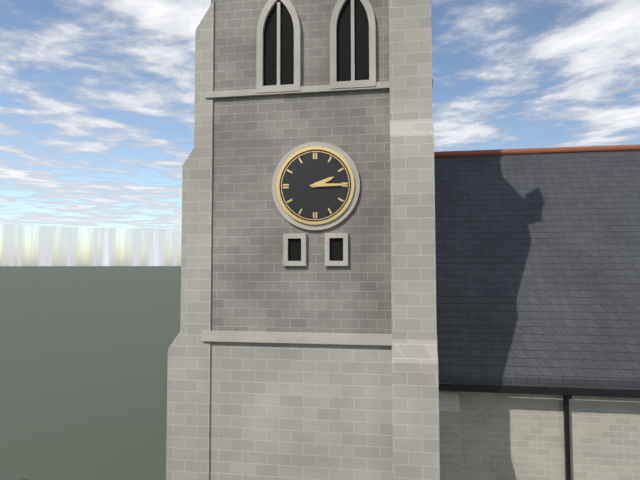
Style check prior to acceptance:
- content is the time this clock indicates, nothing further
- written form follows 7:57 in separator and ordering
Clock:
2:15
